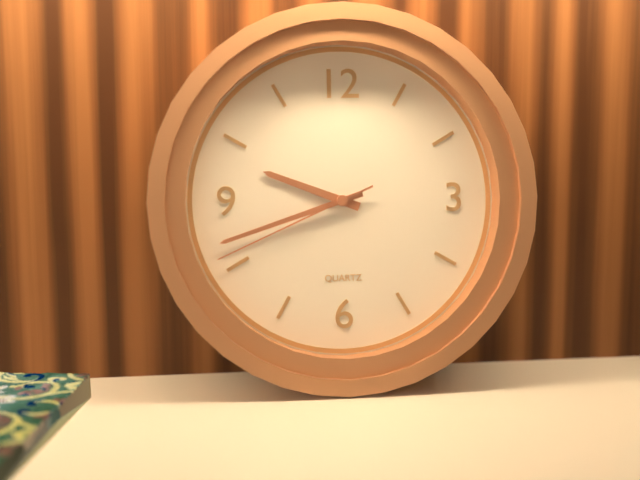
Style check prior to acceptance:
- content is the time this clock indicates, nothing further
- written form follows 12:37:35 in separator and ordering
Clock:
9:42:41
